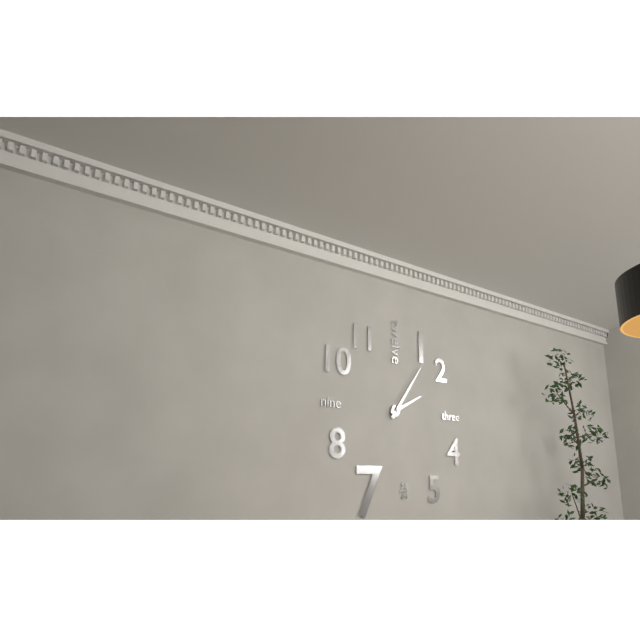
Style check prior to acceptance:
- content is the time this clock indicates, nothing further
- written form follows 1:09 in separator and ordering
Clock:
2:06
